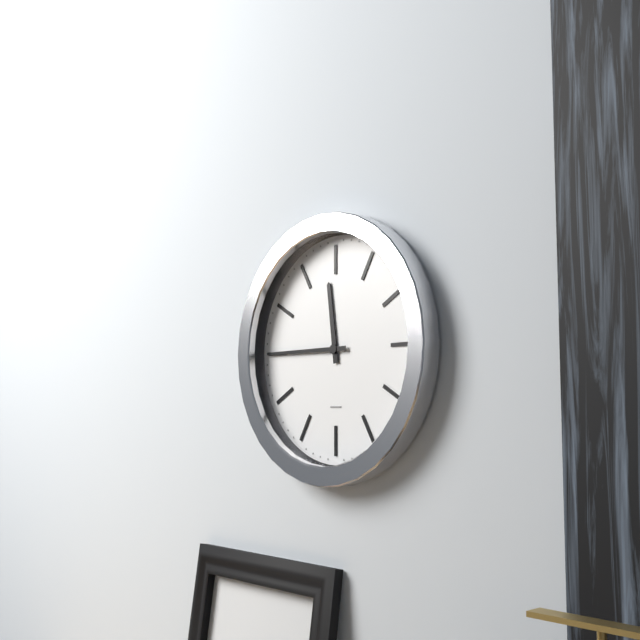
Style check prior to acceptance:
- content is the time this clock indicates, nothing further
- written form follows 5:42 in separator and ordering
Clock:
11:45
